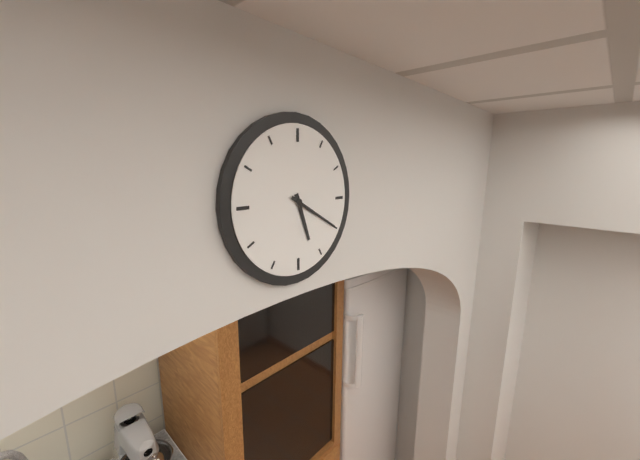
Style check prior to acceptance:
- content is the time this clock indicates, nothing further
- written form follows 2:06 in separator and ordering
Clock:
5:20
